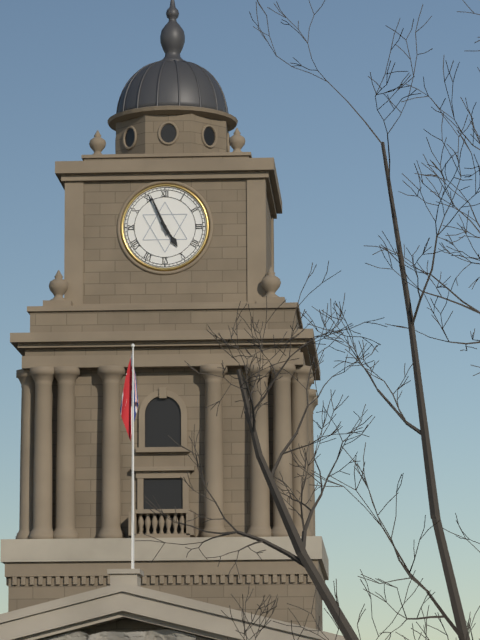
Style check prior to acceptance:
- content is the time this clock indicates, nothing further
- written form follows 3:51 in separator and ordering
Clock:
4:56
